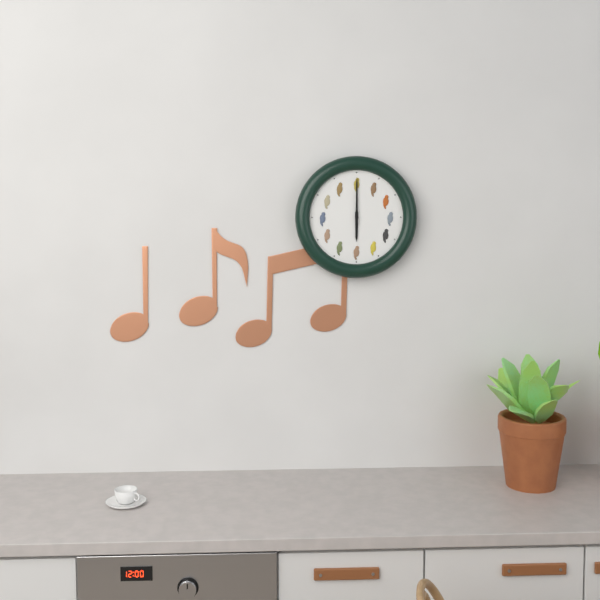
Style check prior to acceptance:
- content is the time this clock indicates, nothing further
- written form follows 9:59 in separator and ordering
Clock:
6:00
